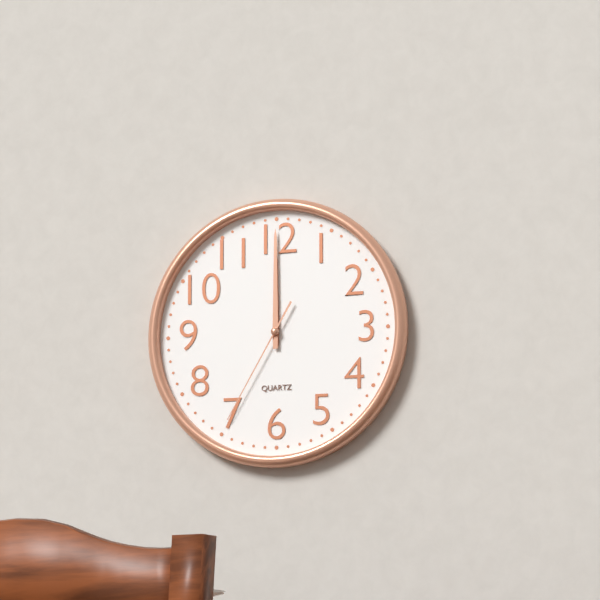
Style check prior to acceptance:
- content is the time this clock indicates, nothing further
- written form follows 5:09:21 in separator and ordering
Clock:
12:00:35
